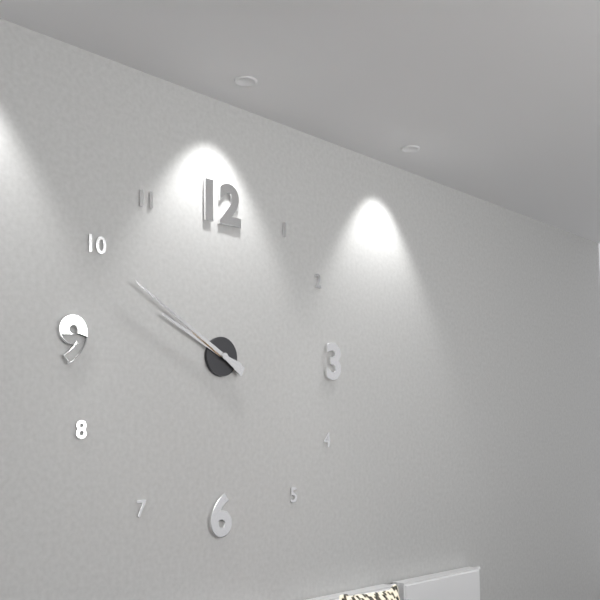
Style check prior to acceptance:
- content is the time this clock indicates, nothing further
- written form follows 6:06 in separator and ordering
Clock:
9:50
